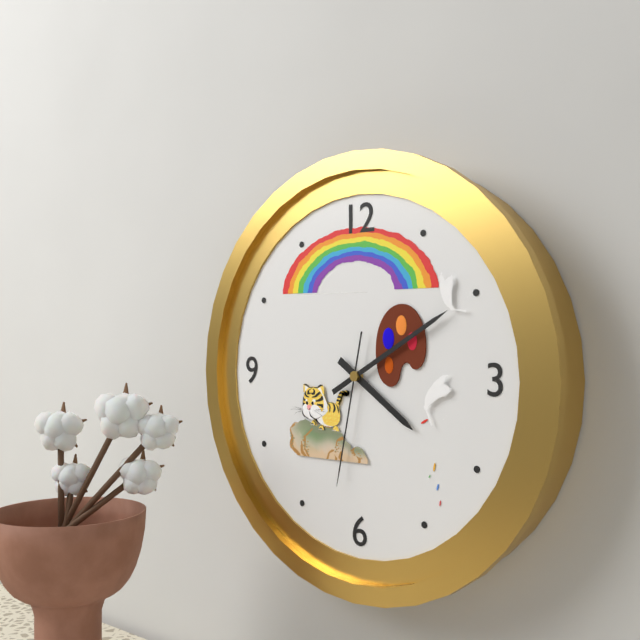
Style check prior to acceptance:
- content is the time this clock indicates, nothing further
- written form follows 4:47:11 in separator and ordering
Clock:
4:10:32
